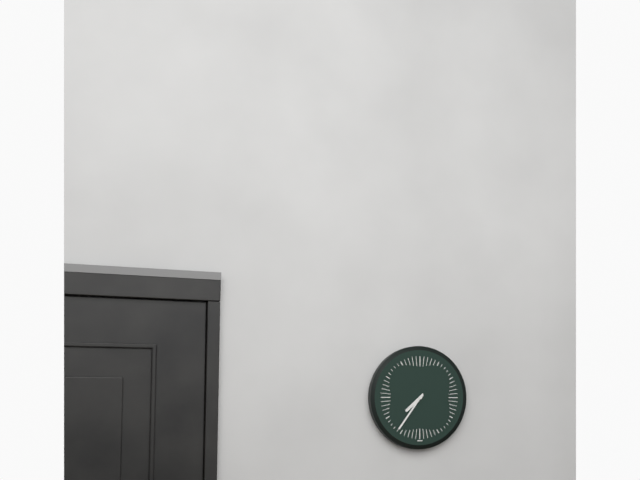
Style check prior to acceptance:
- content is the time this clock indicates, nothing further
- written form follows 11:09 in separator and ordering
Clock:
7:36
